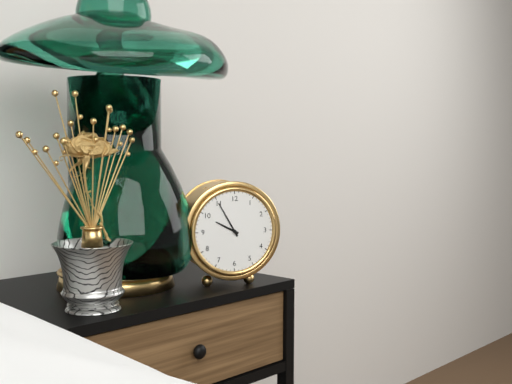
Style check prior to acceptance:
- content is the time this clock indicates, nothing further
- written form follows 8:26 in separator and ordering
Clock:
9:55
